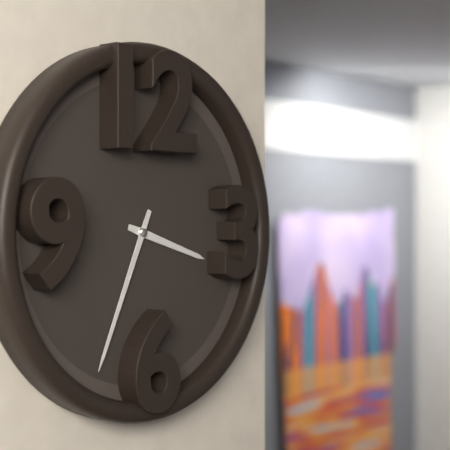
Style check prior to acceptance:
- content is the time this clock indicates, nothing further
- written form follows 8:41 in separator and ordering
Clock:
3:34
